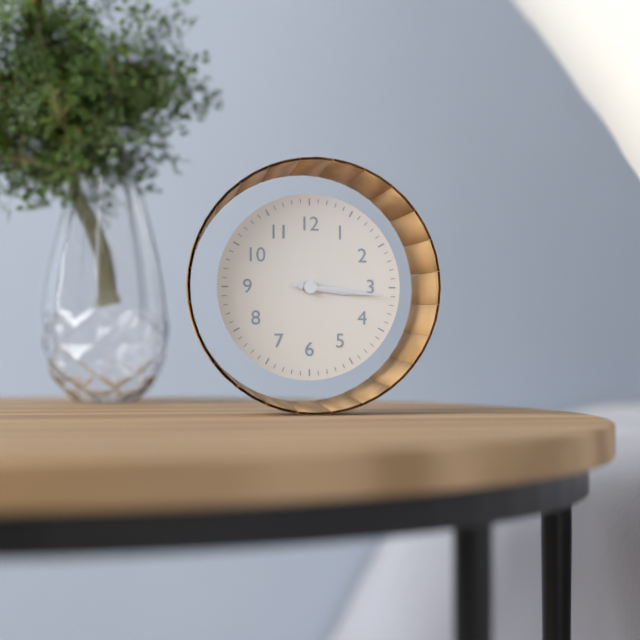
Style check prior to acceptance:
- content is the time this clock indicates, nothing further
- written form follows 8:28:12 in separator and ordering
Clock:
3:16:16
